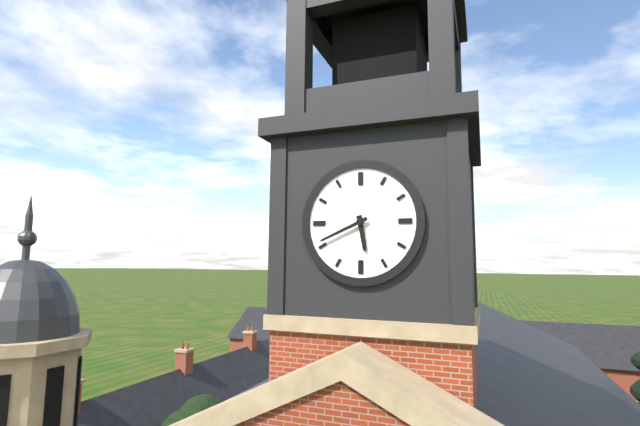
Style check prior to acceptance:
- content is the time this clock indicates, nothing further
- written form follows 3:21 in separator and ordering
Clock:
5:41
